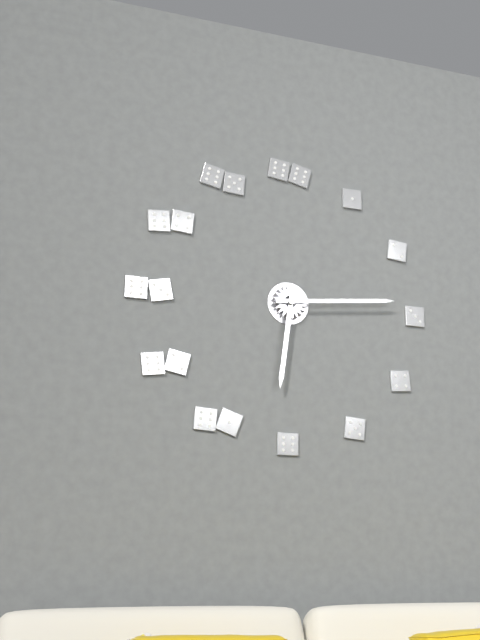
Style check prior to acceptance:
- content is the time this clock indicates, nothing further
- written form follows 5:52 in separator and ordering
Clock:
6:14
